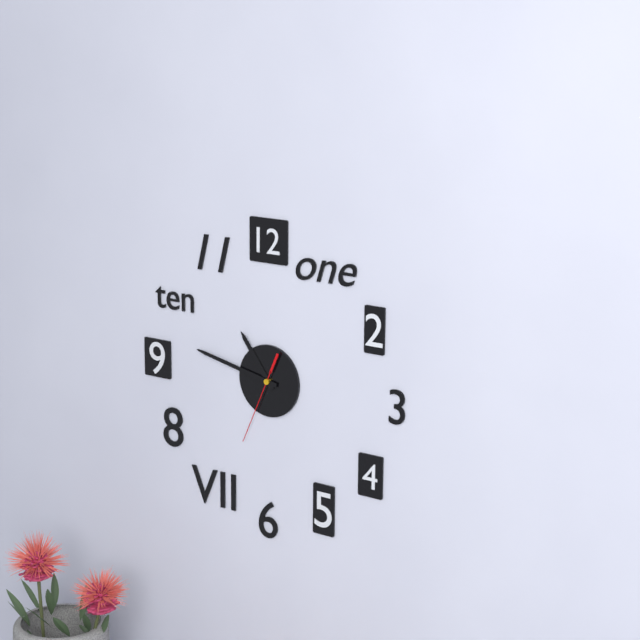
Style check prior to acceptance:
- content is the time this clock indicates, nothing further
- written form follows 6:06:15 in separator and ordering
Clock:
10:47:34
